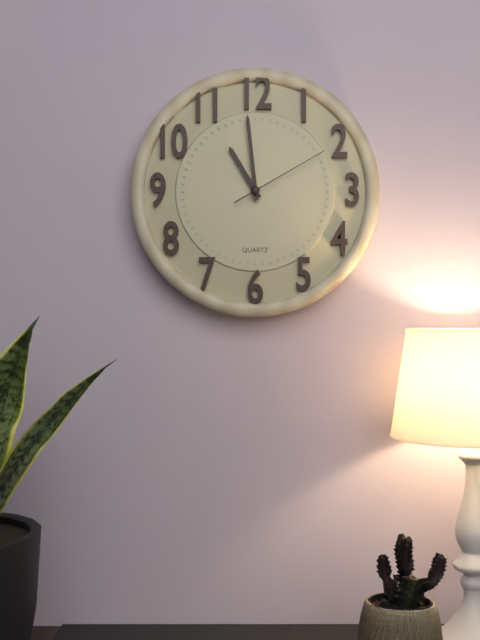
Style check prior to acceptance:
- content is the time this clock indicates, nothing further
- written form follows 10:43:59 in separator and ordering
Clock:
10:59:10
